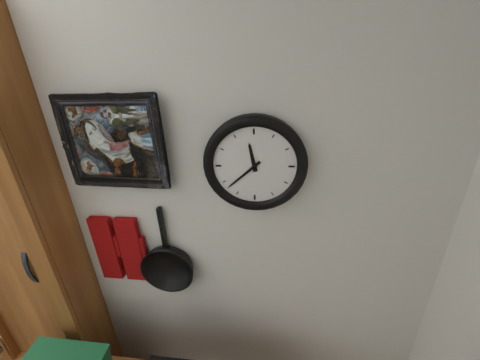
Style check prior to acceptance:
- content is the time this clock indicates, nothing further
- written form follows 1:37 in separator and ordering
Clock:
11:38
